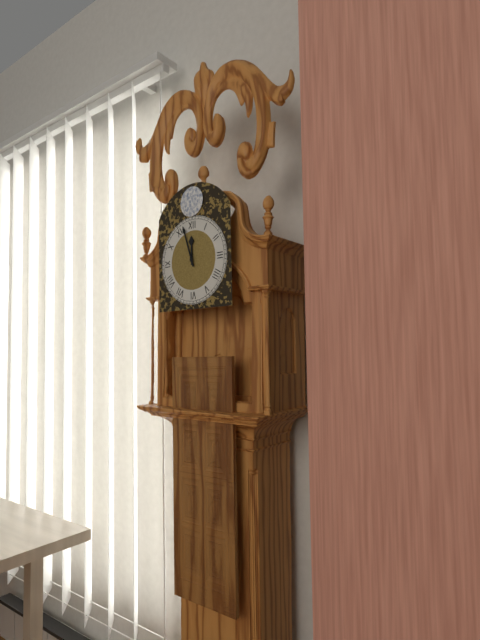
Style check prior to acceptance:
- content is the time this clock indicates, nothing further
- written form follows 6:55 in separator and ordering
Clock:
11:57
